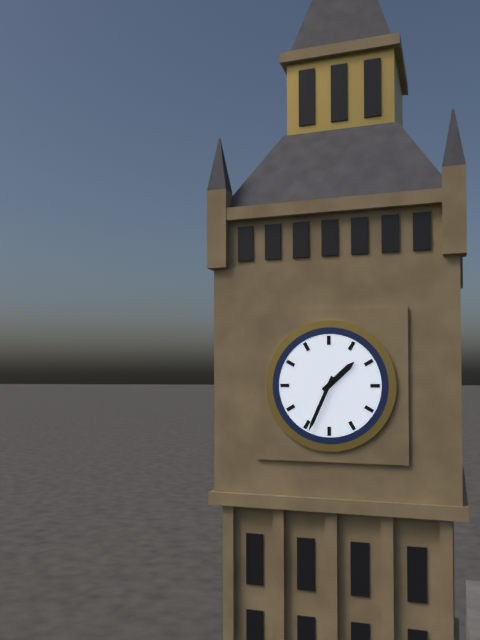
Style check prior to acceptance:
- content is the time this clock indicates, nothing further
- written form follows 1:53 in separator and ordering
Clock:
1:34
